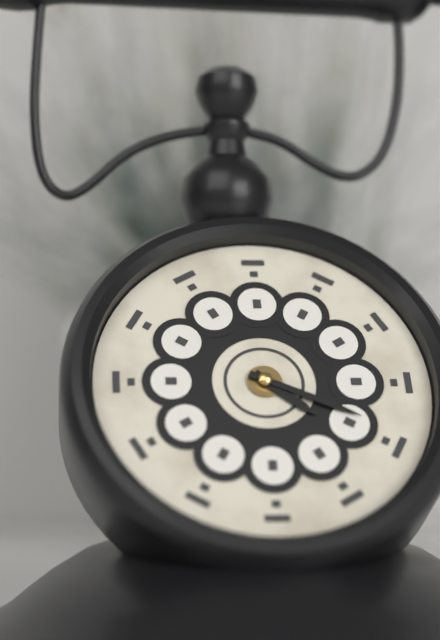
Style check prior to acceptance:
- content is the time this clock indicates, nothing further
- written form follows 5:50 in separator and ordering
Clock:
4:19
